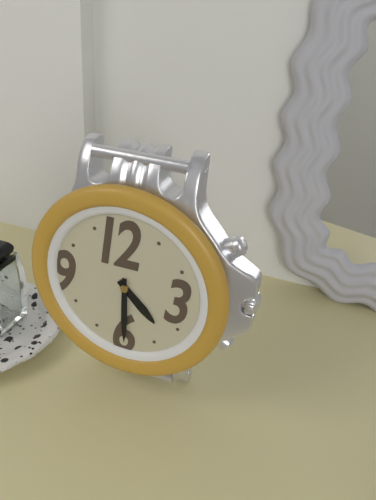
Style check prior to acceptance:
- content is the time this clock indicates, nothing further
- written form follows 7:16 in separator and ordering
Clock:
4:30
